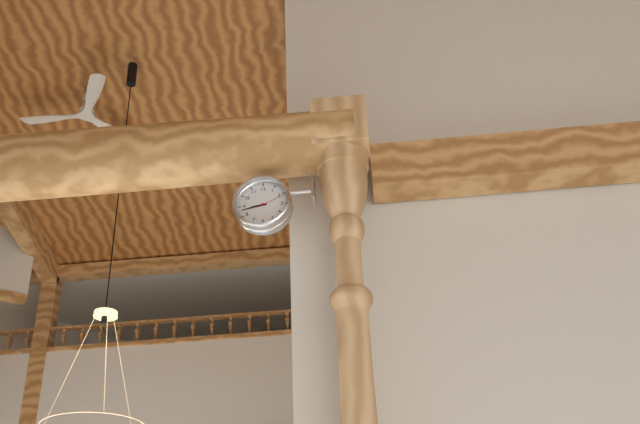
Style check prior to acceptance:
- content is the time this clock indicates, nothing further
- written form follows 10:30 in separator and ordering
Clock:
8:43
